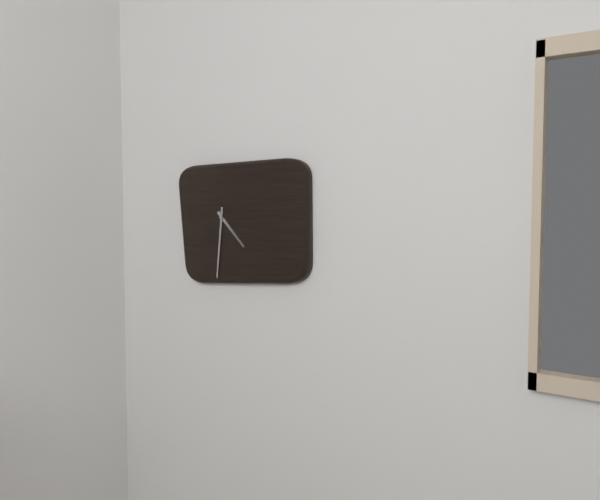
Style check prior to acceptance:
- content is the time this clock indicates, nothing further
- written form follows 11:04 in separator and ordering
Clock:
4:31
